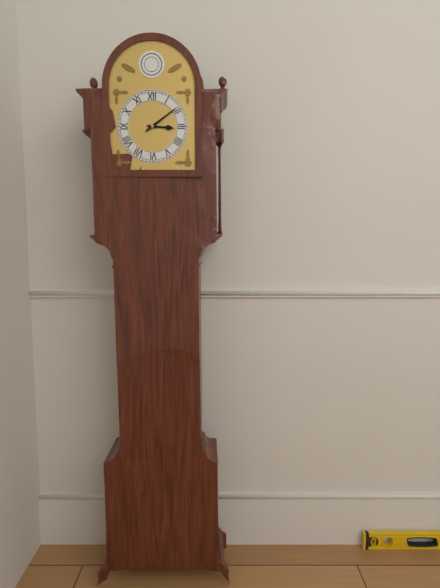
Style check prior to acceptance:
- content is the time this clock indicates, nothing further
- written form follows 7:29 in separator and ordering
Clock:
3:09
